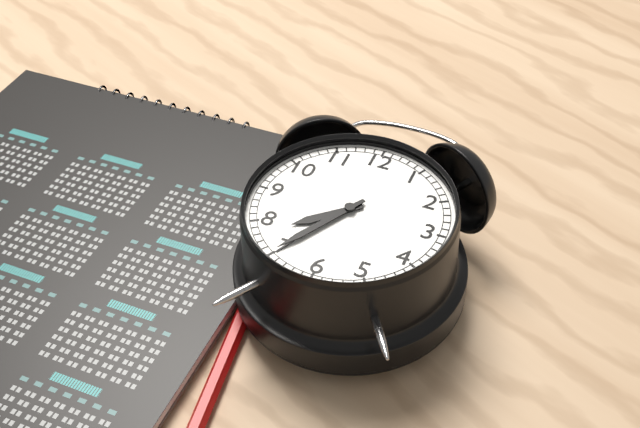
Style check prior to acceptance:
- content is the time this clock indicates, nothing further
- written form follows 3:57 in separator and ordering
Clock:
7:35
